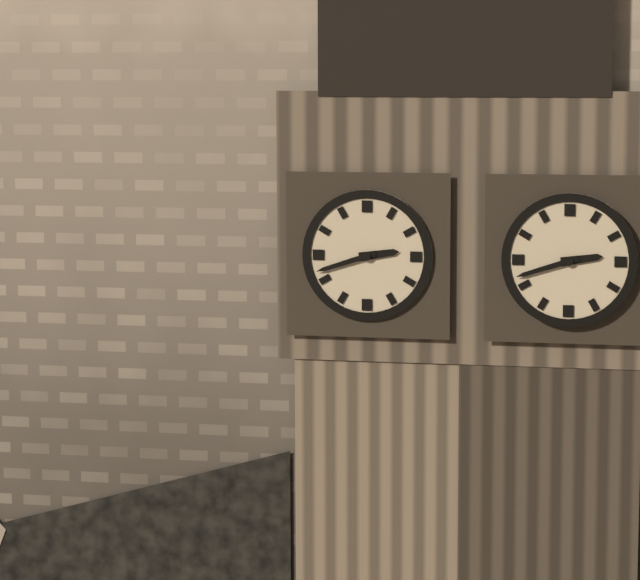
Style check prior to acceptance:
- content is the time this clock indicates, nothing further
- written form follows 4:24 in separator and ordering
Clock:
2:42
